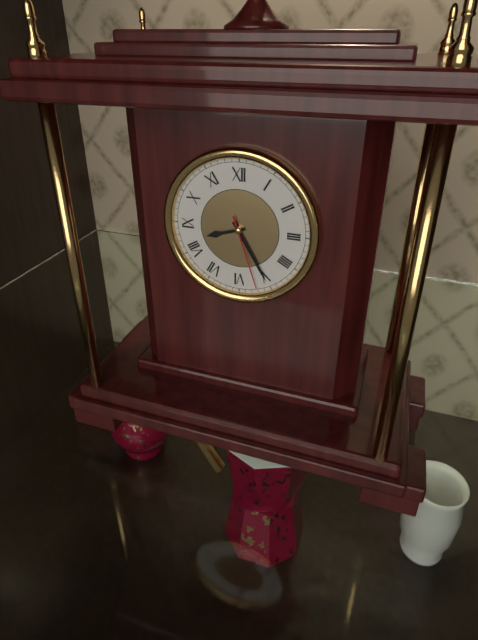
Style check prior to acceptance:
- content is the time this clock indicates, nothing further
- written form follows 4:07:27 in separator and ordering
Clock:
8:25:27
